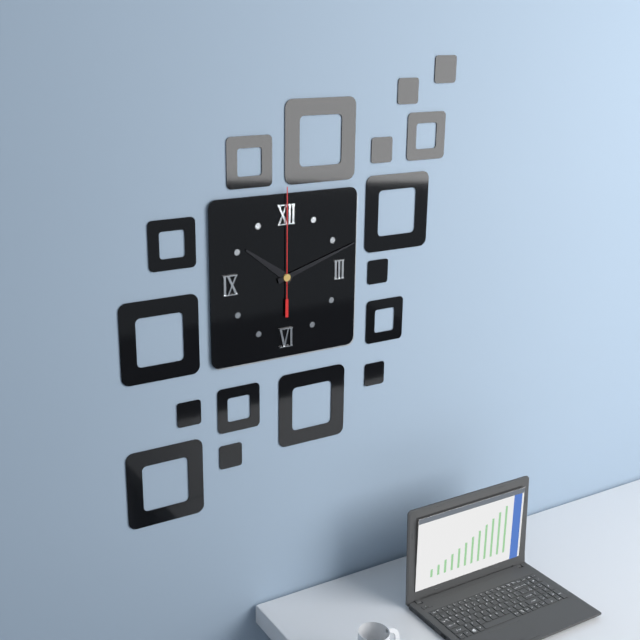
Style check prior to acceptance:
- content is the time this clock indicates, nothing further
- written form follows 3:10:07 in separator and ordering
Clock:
10:12:00
